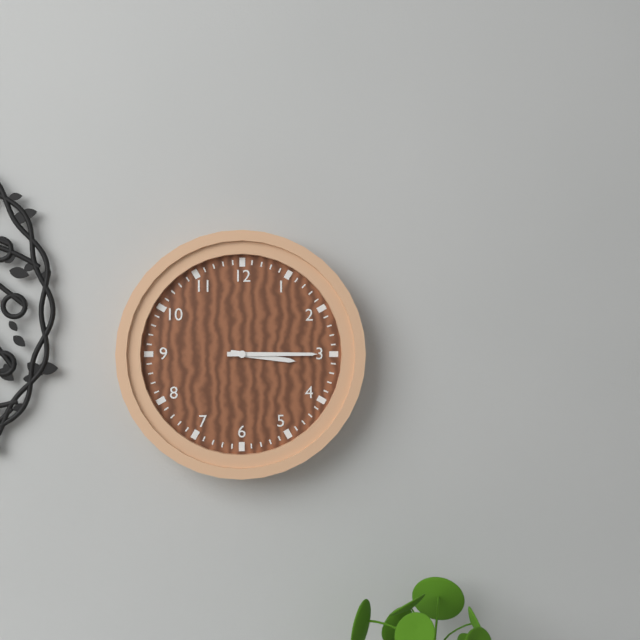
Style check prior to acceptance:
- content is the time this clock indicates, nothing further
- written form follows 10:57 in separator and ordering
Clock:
3:15
